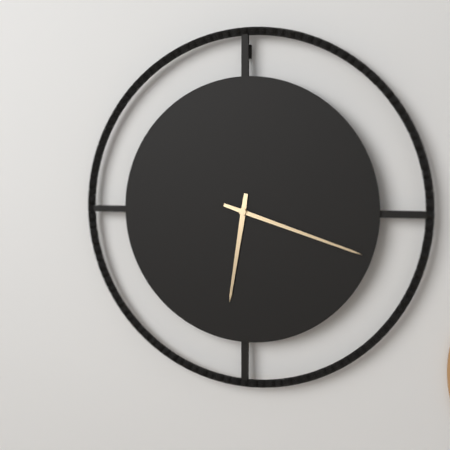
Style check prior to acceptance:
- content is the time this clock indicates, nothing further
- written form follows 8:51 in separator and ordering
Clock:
6:18
